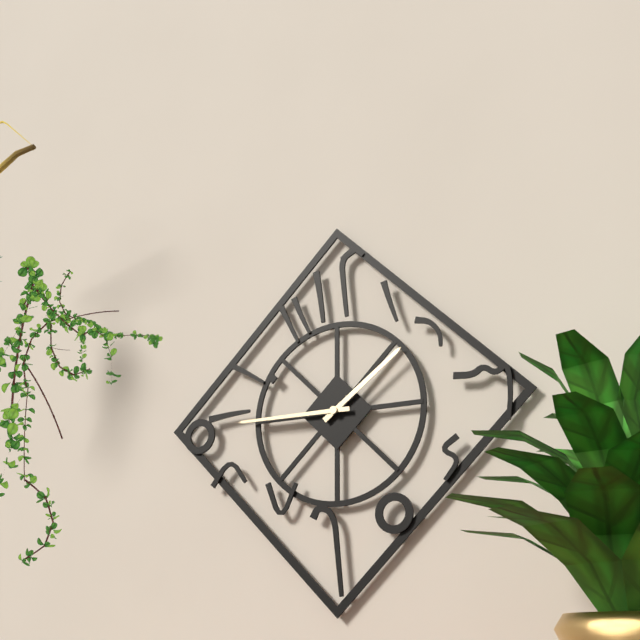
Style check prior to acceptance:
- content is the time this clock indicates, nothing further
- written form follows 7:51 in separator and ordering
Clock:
1:45
